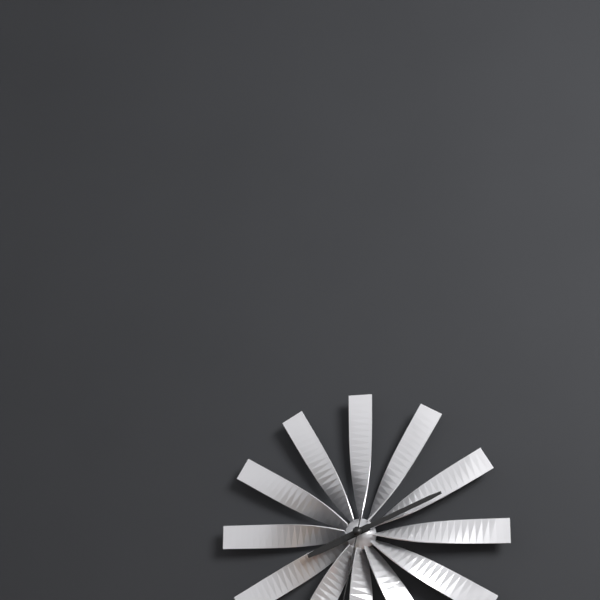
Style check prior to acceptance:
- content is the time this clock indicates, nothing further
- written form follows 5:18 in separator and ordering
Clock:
8:11
